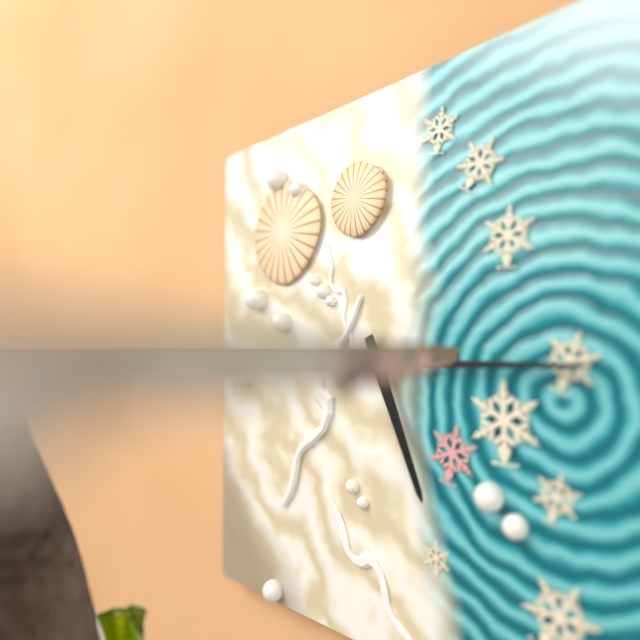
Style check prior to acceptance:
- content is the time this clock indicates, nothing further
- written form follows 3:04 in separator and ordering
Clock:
5:15
